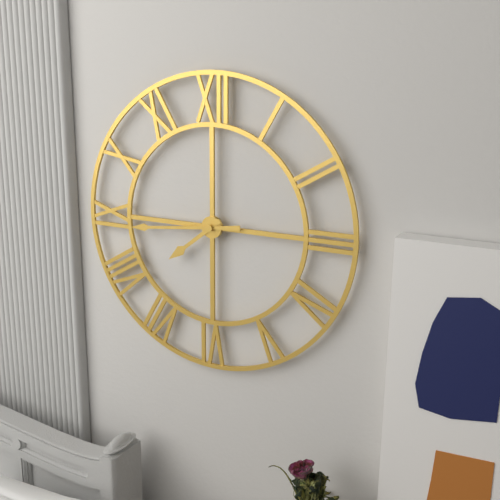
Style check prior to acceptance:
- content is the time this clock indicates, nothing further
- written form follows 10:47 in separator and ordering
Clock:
7:44
